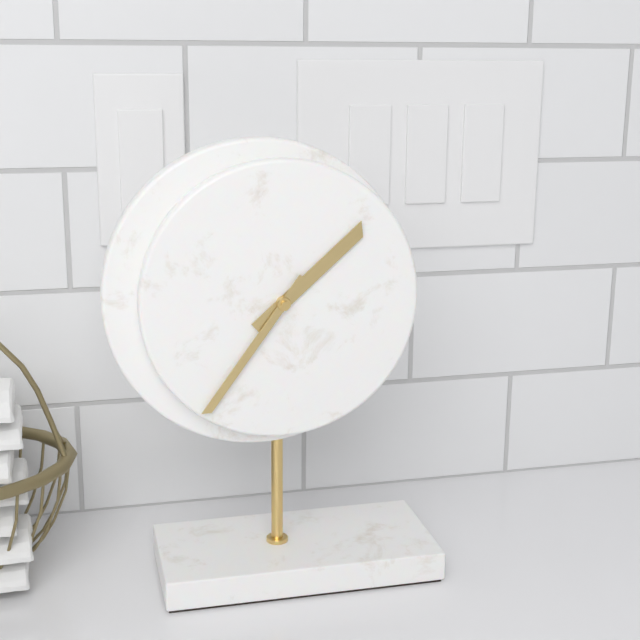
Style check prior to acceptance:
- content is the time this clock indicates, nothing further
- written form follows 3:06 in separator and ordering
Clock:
1:36
